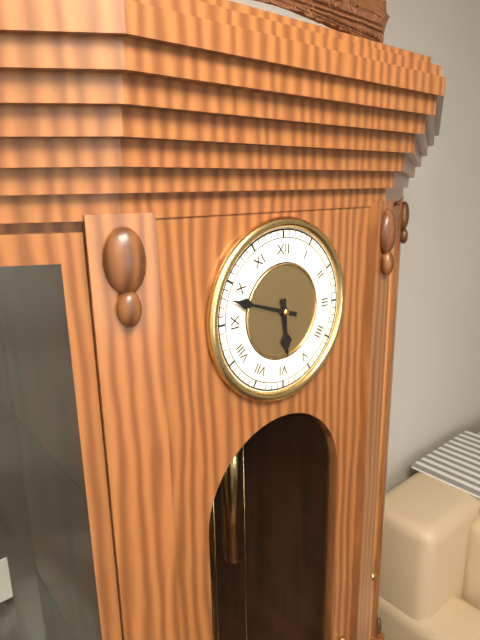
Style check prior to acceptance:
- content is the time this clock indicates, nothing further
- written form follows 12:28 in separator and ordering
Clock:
5:48
